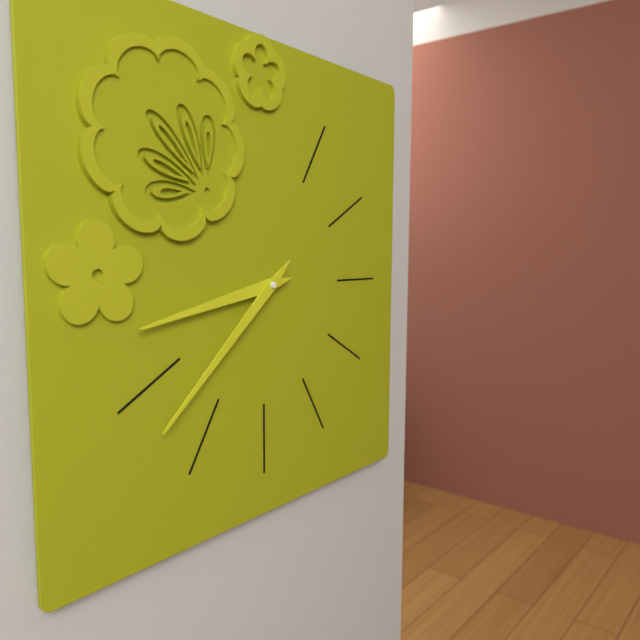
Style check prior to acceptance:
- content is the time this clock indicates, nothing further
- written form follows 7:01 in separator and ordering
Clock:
8:38
